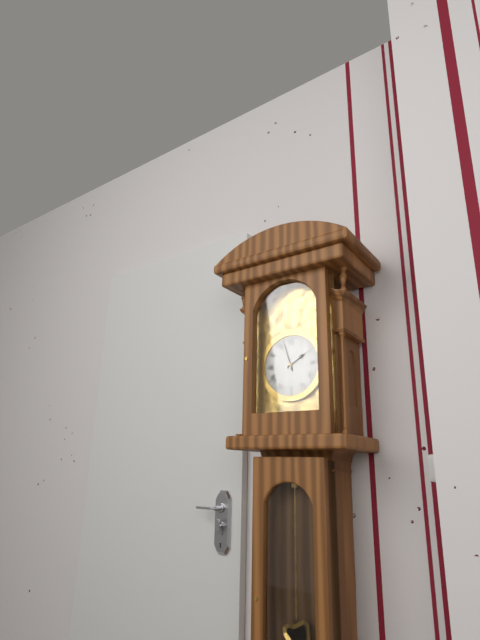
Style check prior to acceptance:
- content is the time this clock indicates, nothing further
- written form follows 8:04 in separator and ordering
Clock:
1:57
